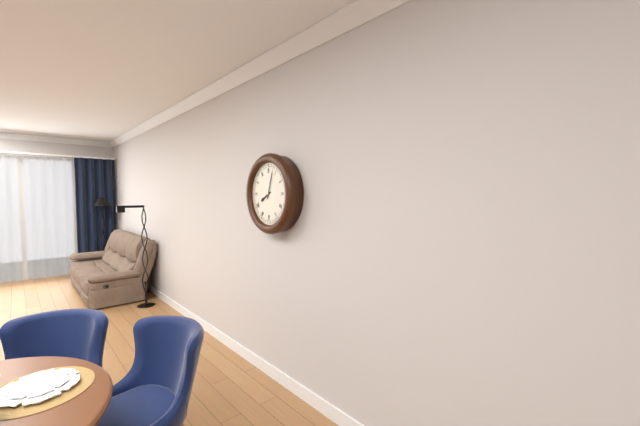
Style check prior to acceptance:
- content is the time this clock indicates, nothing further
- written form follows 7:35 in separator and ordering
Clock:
8:03
